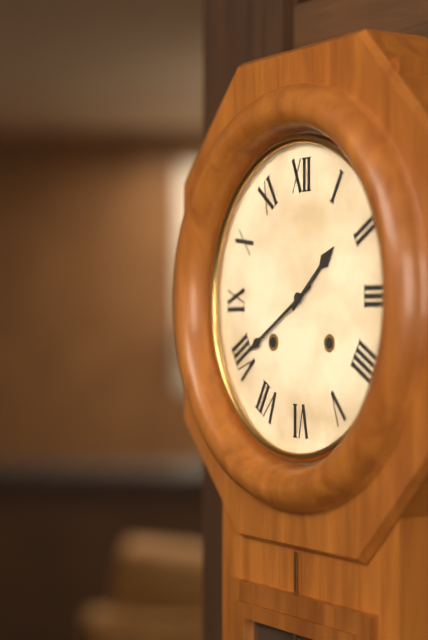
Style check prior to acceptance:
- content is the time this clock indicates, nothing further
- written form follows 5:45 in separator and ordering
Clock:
1:40
